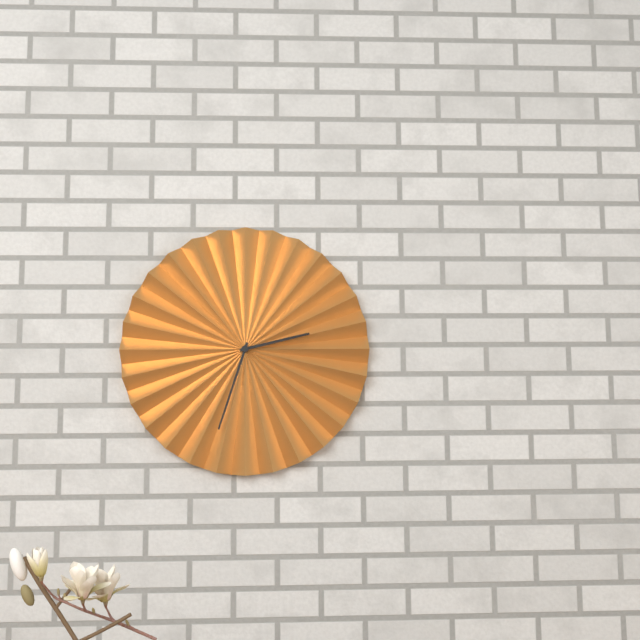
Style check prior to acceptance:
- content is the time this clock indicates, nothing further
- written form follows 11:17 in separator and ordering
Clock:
2:33
